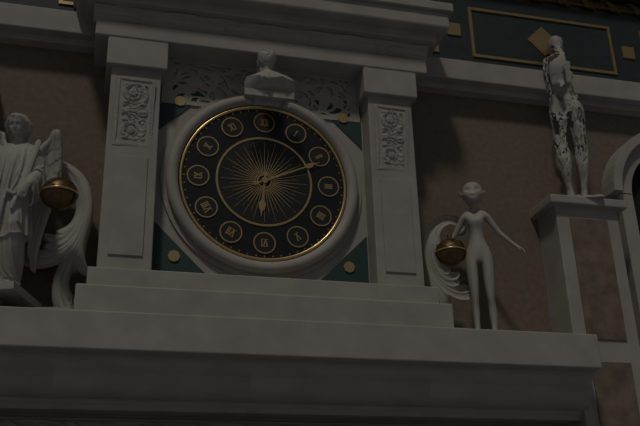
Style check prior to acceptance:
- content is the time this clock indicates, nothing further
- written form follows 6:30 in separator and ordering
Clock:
6:11
